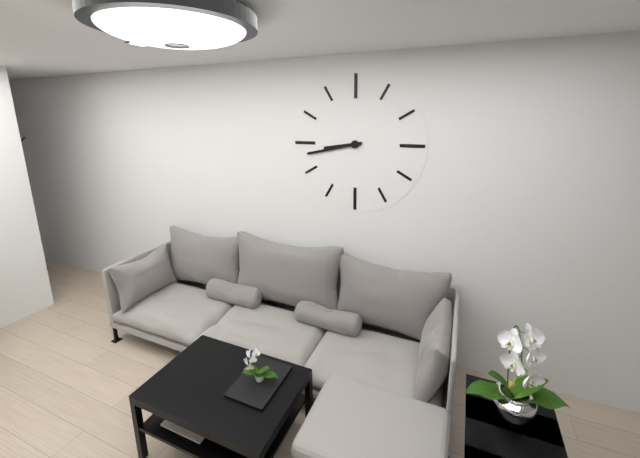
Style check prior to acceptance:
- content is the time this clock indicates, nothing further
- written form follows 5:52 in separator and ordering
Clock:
8:43
